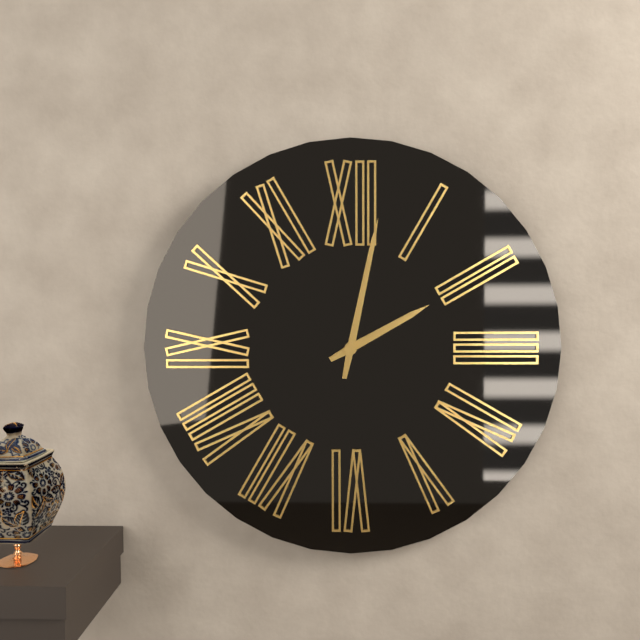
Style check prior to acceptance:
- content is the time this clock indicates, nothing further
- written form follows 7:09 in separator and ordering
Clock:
2:02
